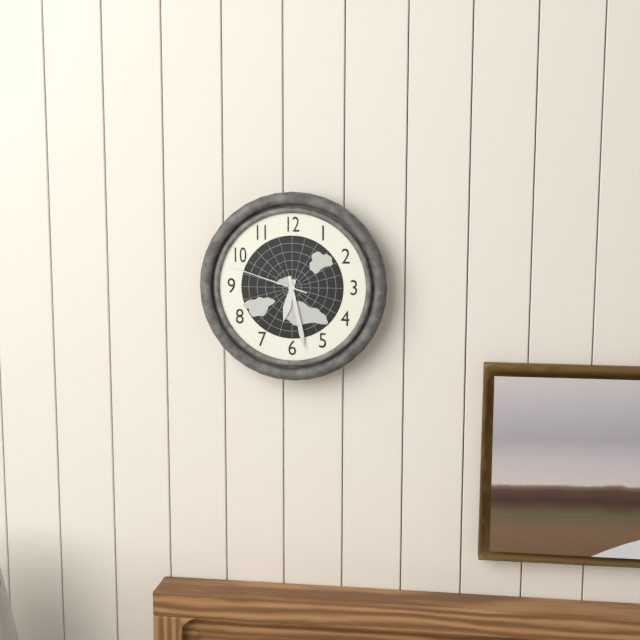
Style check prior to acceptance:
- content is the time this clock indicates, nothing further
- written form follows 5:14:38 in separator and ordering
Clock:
6:28:48
